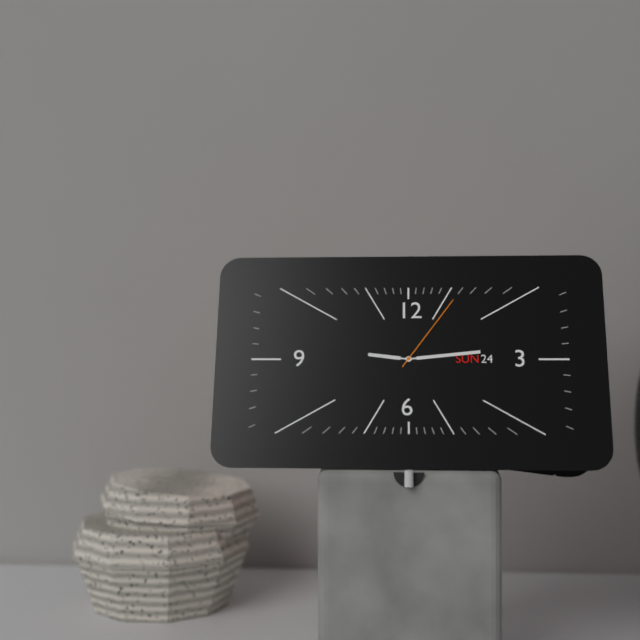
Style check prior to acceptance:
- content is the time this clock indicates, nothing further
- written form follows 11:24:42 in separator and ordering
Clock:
9:14:06
